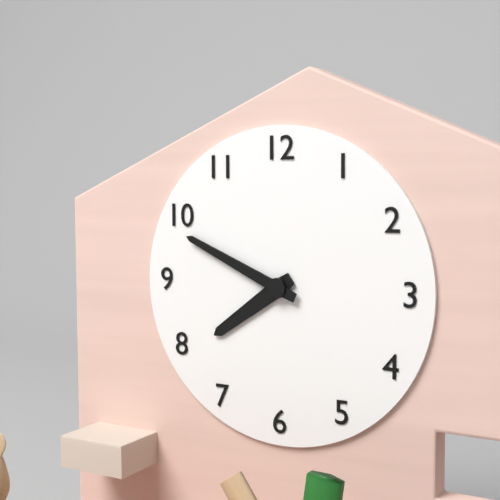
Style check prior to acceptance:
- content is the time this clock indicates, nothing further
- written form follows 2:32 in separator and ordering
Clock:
7:49
